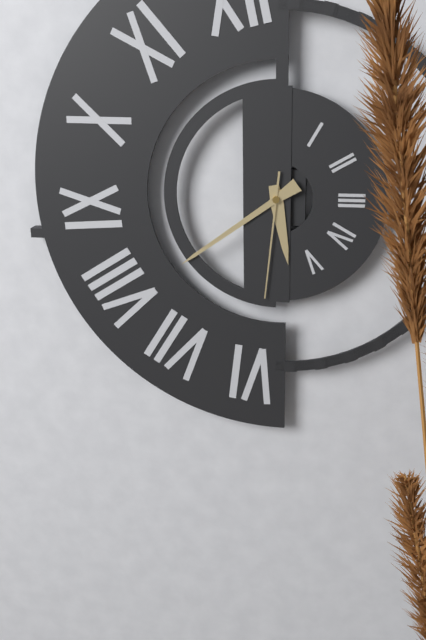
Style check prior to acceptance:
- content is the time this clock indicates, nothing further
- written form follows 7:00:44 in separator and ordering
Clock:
5:39:31
